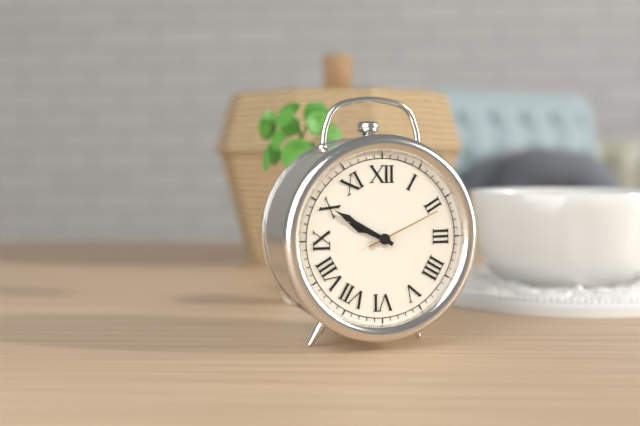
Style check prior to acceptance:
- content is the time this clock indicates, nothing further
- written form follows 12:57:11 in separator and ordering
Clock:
9:50:11
